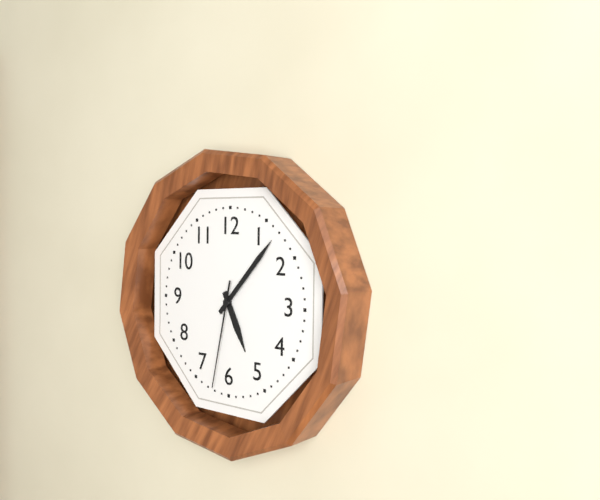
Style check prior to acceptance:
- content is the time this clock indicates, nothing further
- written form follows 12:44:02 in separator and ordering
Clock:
5:07:32
